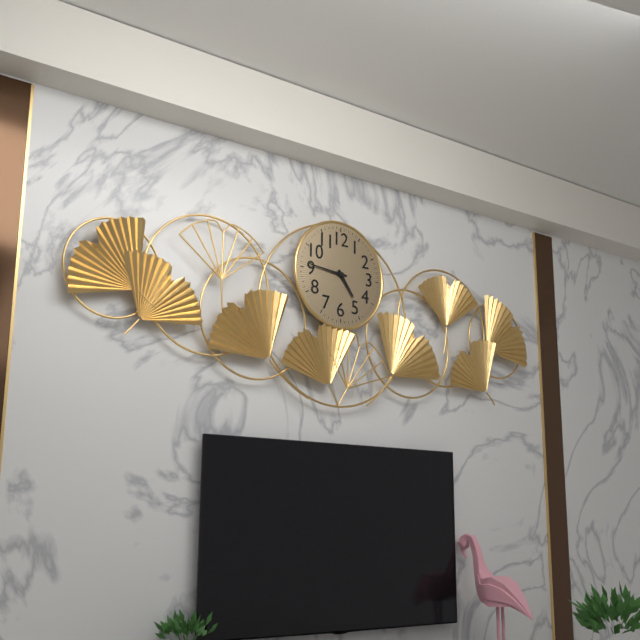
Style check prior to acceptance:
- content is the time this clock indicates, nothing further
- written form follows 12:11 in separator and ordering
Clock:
4:46
